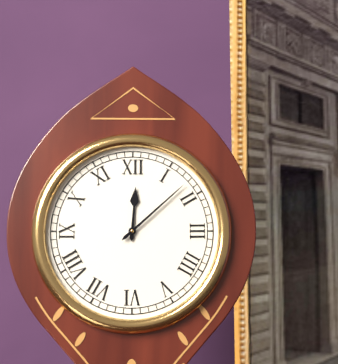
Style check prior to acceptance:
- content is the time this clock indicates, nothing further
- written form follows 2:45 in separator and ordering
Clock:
12:08
